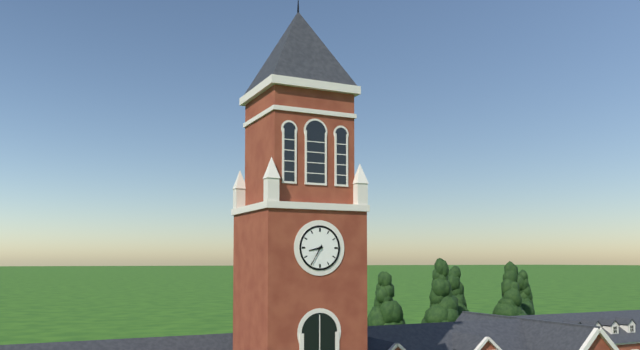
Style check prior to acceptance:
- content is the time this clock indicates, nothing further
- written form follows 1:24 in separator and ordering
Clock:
8:35
